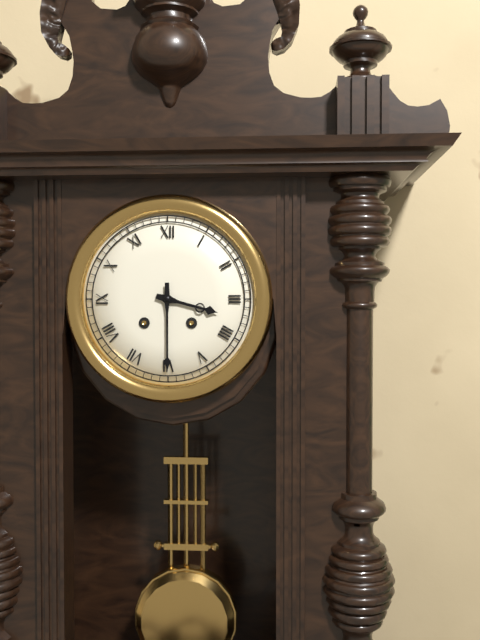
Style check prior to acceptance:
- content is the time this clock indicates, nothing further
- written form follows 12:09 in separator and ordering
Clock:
3:30
